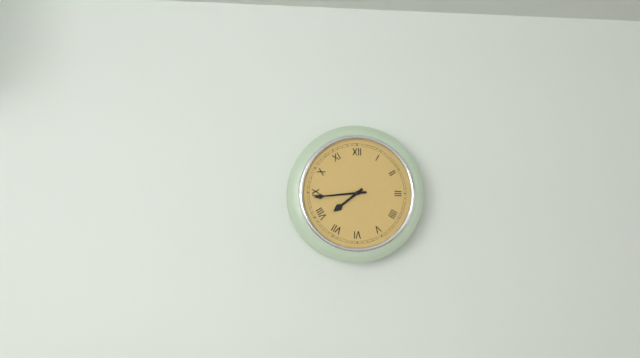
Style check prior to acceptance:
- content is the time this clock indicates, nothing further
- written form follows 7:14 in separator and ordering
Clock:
7:44
